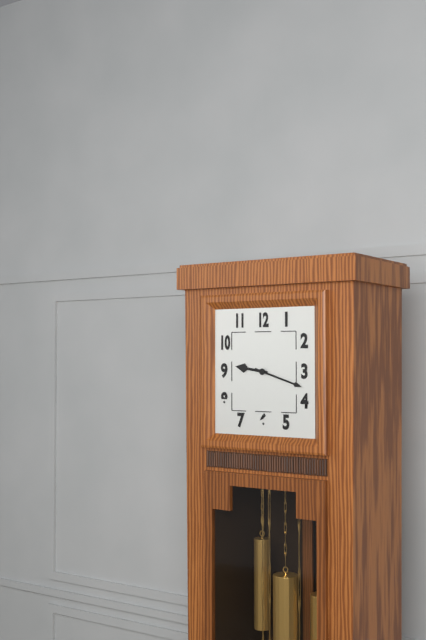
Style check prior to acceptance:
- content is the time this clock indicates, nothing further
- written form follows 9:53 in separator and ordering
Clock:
9:18
